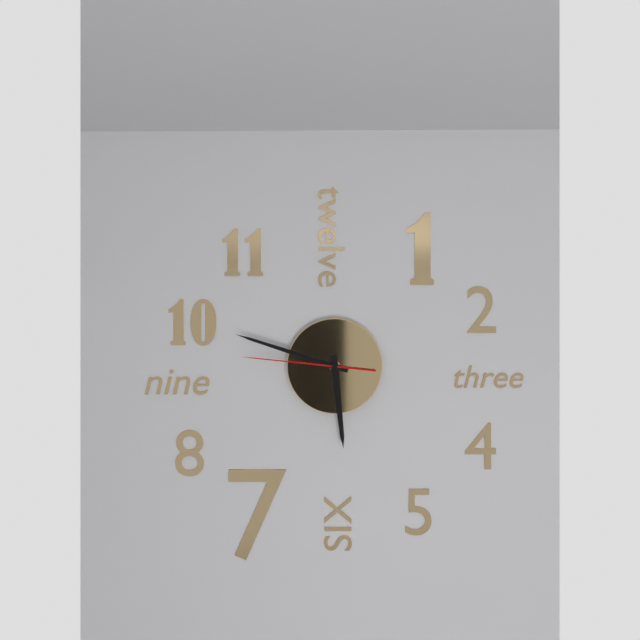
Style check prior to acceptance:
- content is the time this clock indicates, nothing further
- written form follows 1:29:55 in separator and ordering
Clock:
5:48:46
